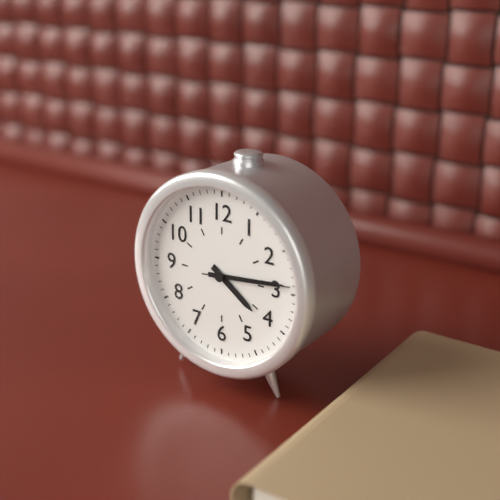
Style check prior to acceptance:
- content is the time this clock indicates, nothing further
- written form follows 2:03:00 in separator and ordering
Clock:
4:14:14
